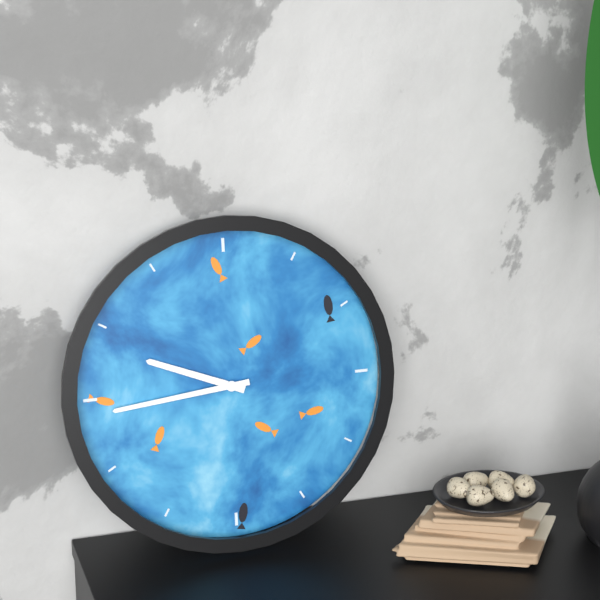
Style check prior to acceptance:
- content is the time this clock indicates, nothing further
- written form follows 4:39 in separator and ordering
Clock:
9:44
